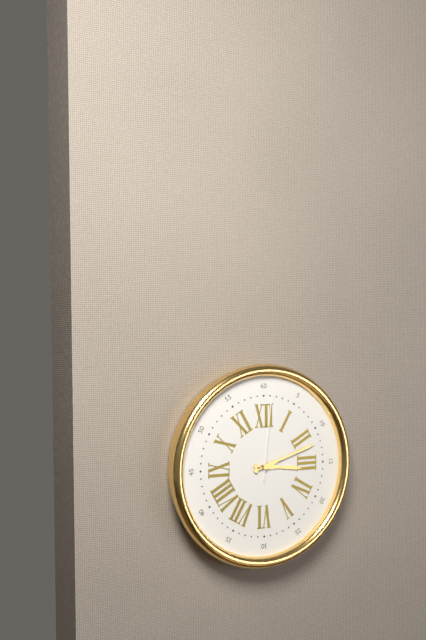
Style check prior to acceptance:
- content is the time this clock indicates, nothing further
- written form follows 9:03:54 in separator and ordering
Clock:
3:12:01
